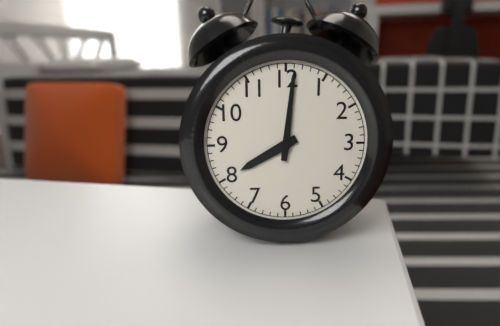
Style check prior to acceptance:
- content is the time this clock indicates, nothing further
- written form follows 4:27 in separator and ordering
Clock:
8:01
